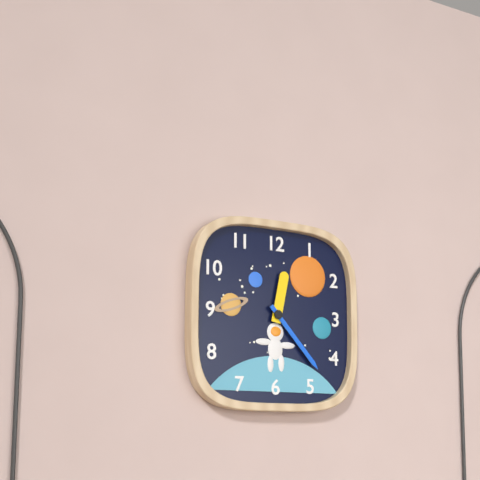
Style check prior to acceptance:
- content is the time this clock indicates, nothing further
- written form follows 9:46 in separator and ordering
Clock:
12:23
